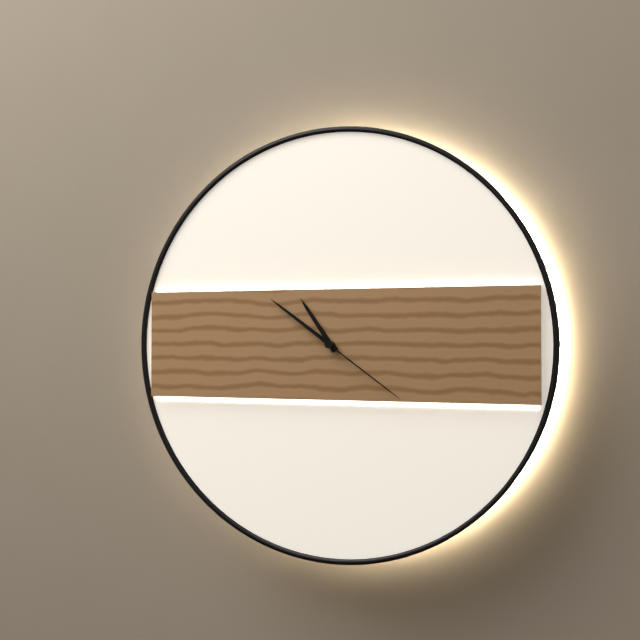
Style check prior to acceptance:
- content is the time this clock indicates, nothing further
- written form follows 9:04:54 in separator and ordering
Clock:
10:51:21
